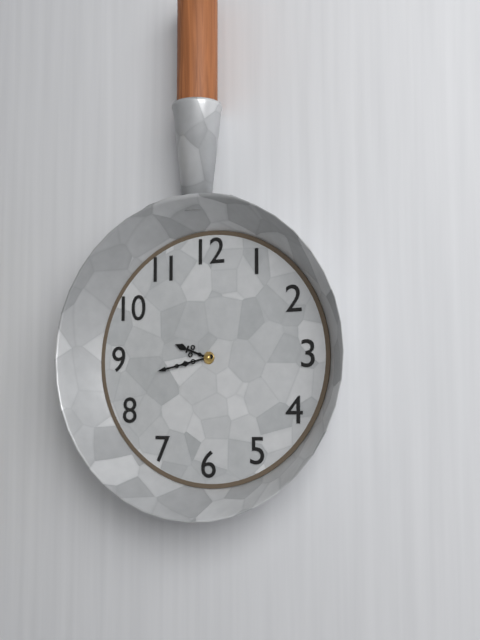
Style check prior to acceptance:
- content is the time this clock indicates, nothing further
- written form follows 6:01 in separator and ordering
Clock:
9:43
